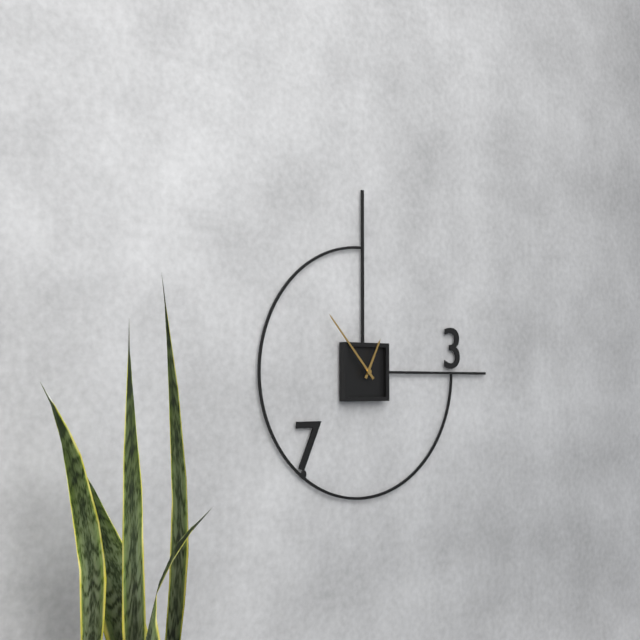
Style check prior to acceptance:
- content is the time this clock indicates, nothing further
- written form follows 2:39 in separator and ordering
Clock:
12:53
